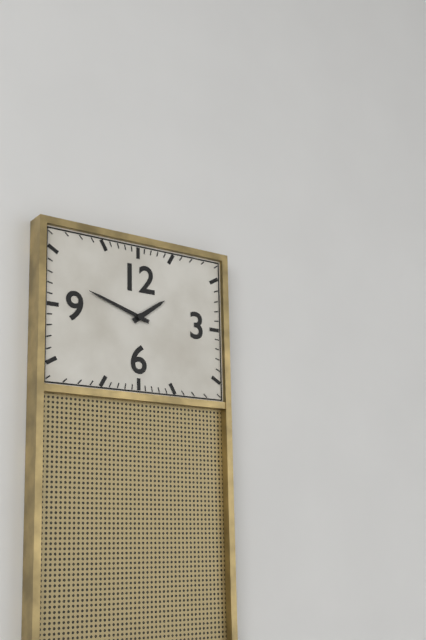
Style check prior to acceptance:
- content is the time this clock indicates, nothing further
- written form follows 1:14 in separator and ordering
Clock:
1:48
